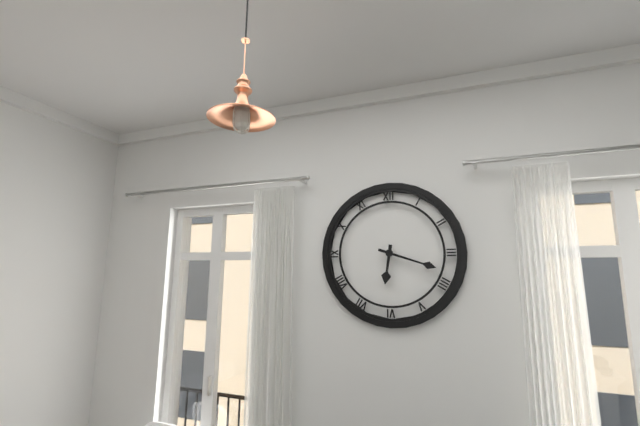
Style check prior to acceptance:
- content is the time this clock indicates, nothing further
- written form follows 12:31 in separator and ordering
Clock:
6:18
